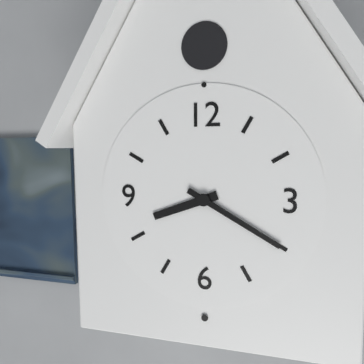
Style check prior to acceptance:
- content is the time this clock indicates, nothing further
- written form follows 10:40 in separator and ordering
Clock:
8:20
